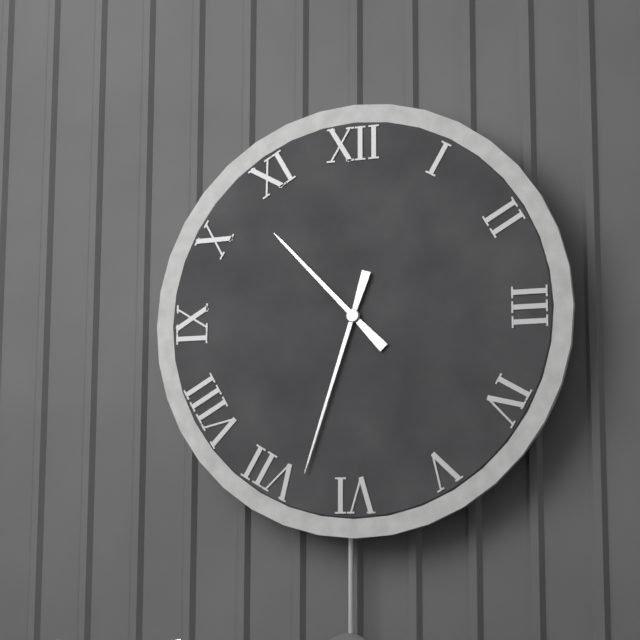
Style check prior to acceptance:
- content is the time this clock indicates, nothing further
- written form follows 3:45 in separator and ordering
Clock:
10:33
